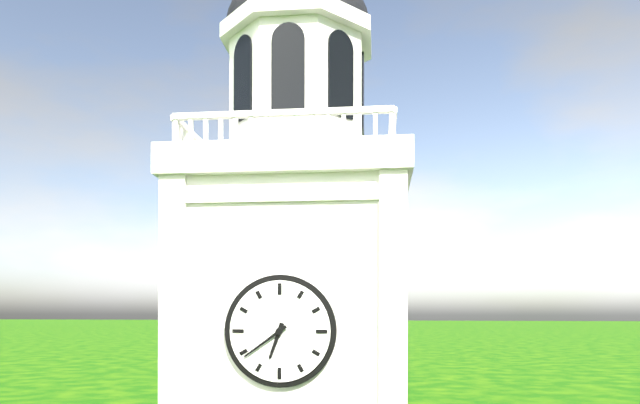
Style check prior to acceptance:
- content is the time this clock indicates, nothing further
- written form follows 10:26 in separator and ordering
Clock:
6:39
